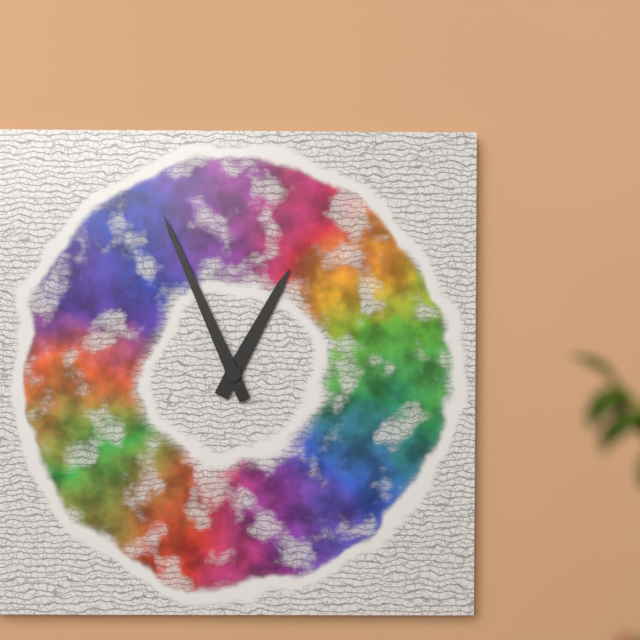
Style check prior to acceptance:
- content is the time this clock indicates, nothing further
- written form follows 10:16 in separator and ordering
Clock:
12:56
